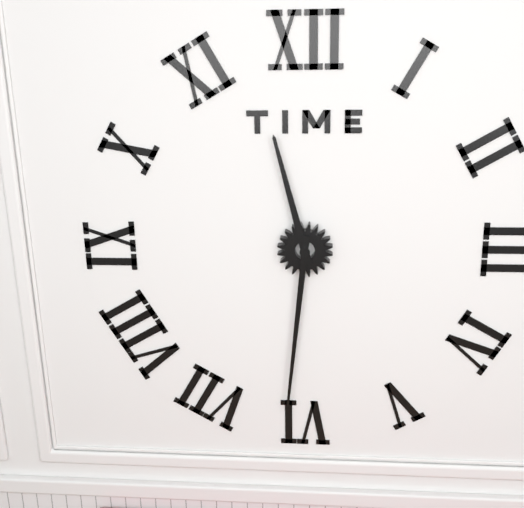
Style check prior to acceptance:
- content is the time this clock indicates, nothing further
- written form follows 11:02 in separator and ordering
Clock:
11:31
